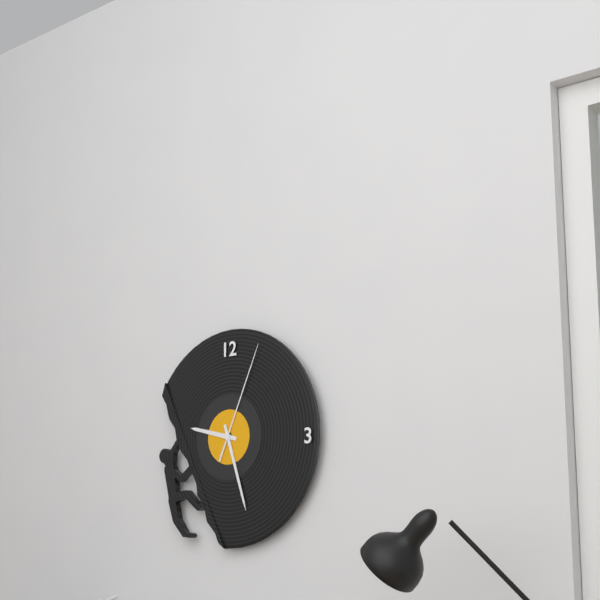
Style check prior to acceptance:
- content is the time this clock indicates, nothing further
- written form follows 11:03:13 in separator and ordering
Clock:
9:27:04
